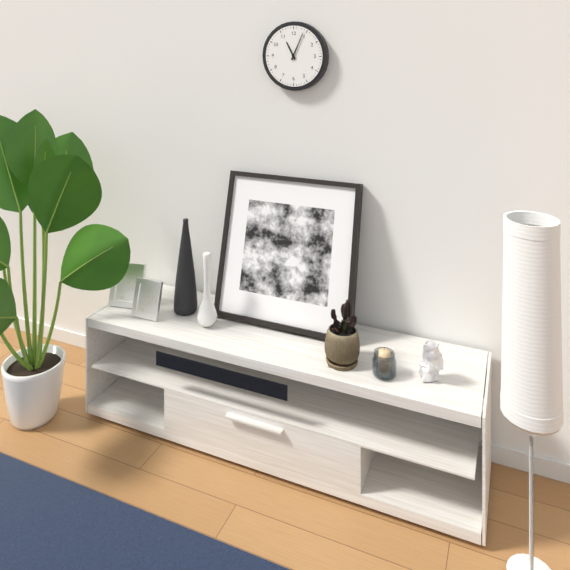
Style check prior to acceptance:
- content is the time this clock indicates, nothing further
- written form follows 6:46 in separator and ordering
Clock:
11:04
